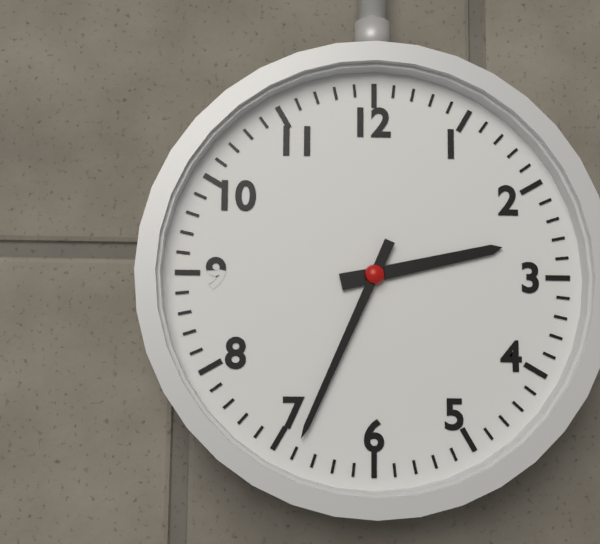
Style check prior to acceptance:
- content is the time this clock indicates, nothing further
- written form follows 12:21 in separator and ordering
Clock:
2:34
